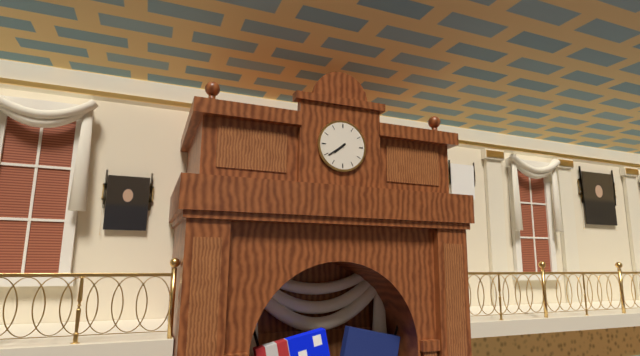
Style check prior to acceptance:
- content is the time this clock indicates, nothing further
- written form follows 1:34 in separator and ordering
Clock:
7:39
